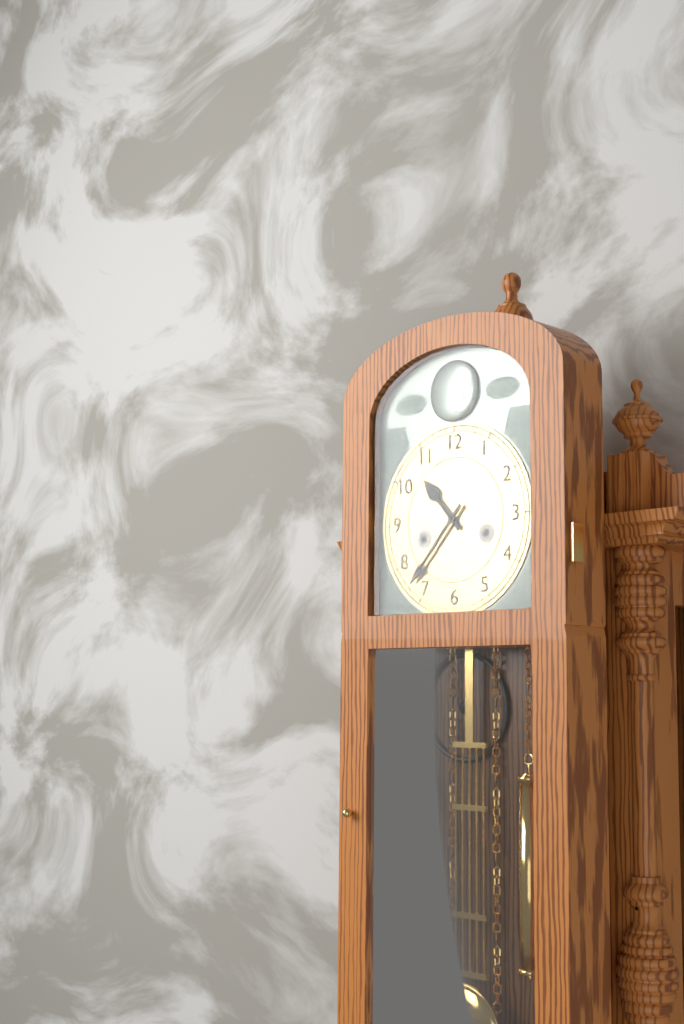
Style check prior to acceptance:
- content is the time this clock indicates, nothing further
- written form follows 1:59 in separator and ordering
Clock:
10:37
